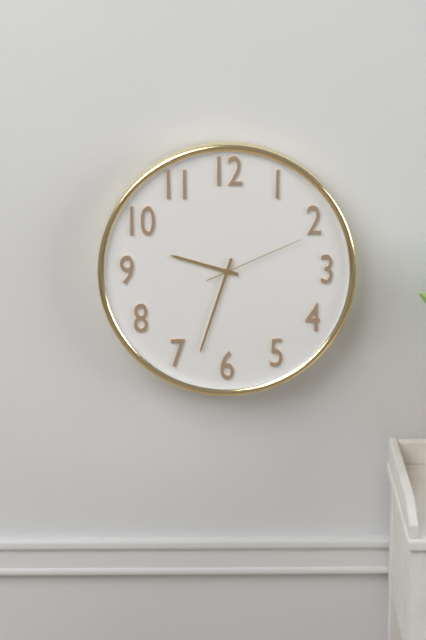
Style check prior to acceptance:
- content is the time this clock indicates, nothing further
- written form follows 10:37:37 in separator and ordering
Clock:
9:33:11
